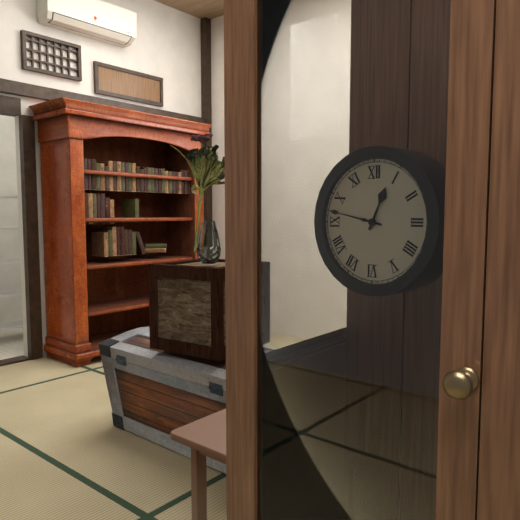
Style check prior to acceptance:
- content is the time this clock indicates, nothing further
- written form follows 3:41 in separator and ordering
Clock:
12:47
